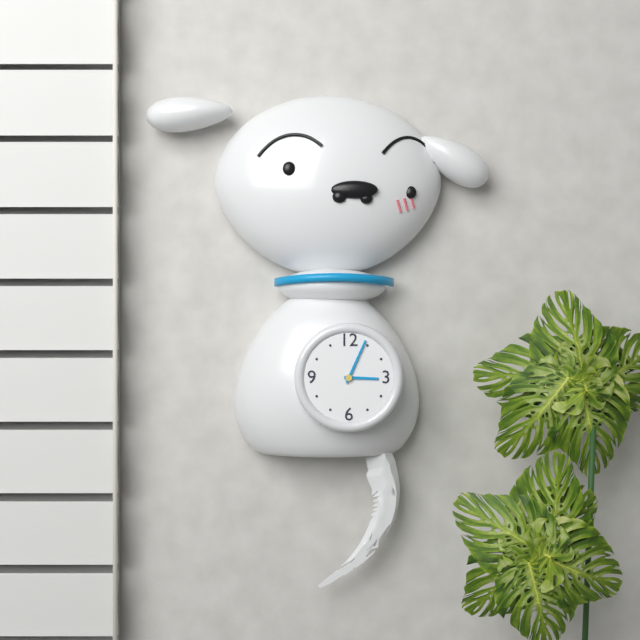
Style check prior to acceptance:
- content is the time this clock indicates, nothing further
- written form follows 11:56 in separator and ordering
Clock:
3:04
